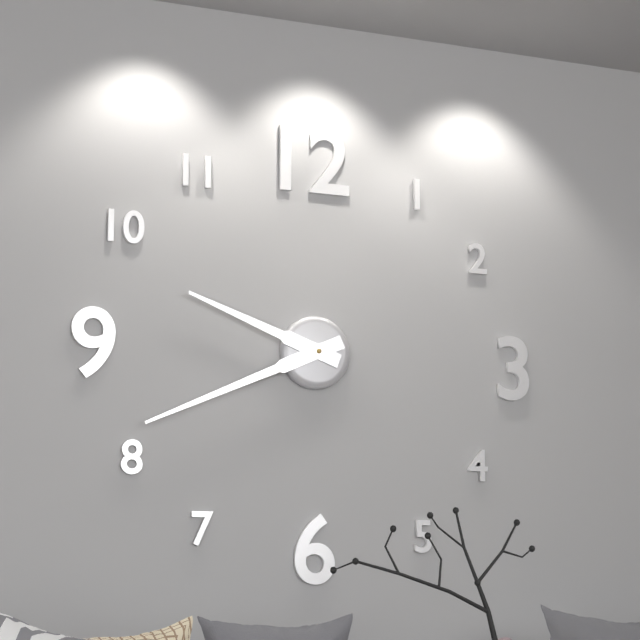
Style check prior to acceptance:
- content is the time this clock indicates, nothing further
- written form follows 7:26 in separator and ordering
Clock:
9:41
